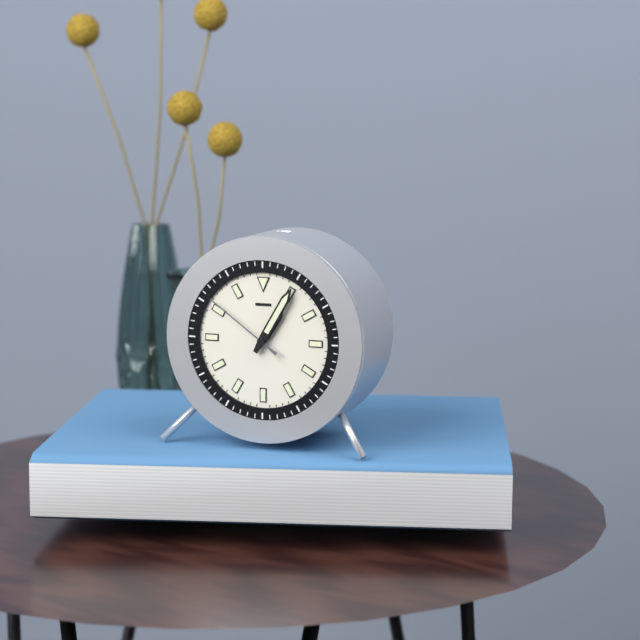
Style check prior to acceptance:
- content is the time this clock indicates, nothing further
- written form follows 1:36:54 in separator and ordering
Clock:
1:05:51
